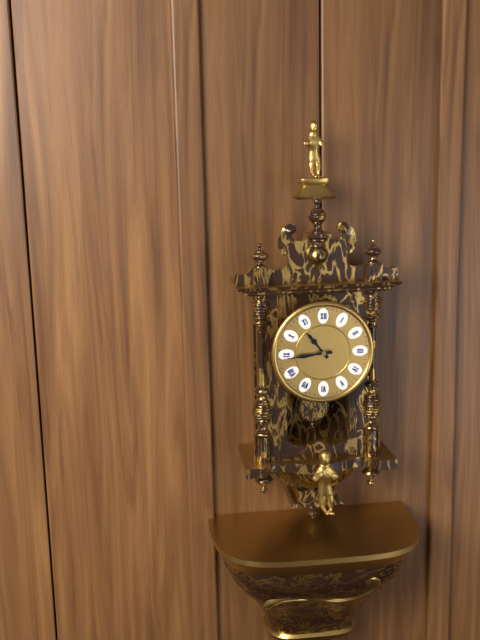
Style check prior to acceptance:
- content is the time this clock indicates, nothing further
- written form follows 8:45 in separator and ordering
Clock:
10:44
